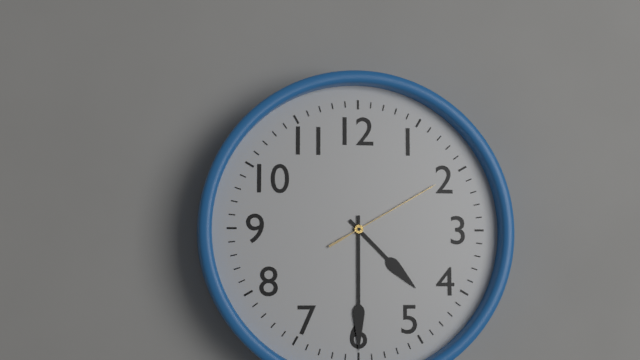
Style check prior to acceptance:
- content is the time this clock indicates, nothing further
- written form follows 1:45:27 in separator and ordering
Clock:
4:30:10
